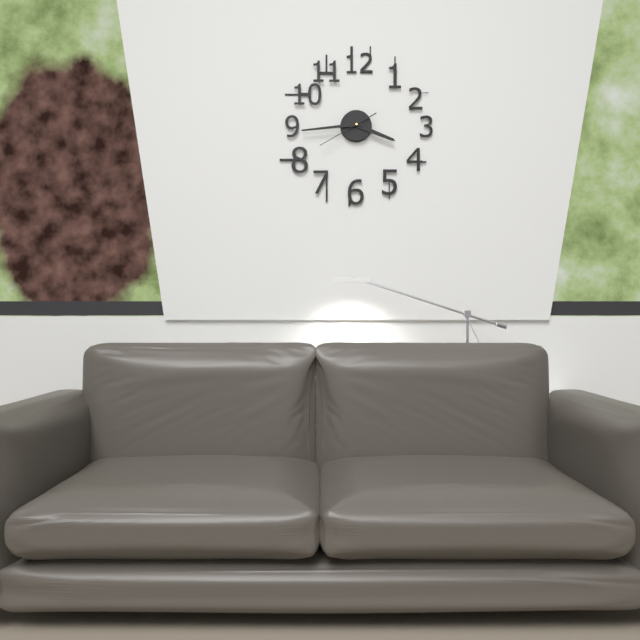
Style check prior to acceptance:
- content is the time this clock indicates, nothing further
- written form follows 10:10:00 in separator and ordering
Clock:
3:44:40
